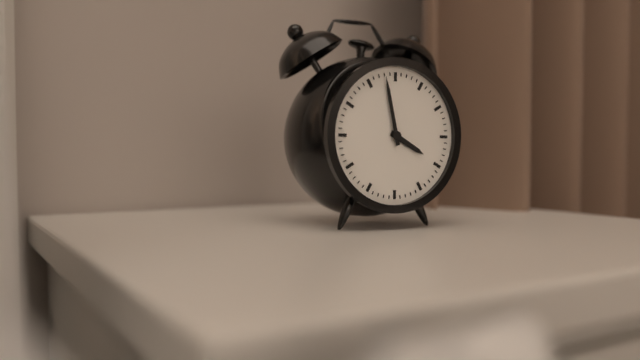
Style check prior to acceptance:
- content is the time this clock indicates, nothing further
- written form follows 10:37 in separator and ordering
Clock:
3:58
